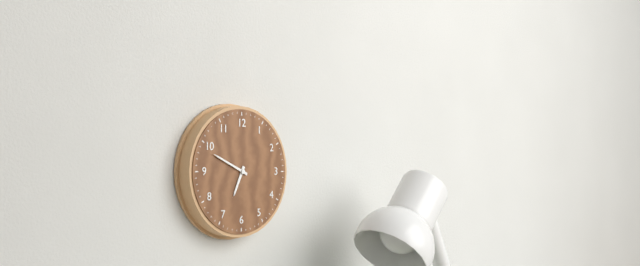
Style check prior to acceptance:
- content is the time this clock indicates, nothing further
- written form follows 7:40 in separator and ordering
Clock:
6:49
